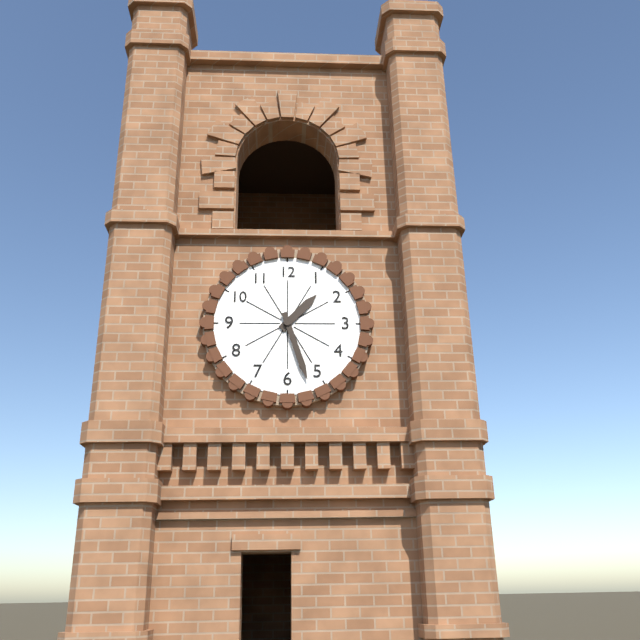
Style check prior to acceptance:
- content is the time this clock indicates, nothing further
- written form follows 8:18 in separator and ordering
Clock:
1:27
